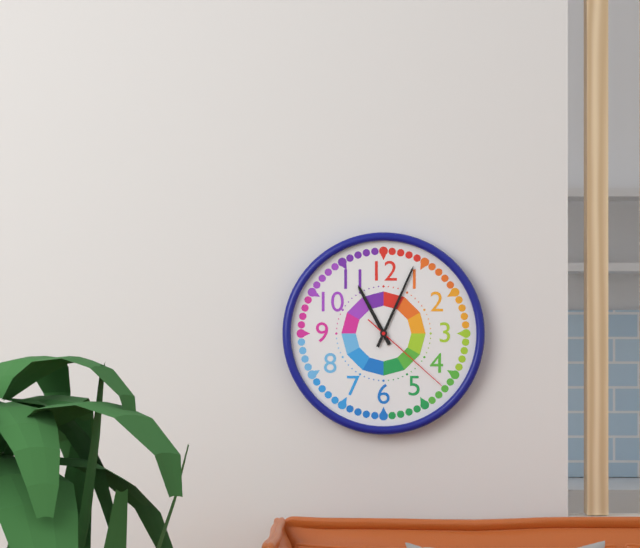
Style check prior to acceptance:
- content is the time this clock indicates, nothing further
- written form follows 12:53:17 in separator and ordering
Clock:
11:04:22
